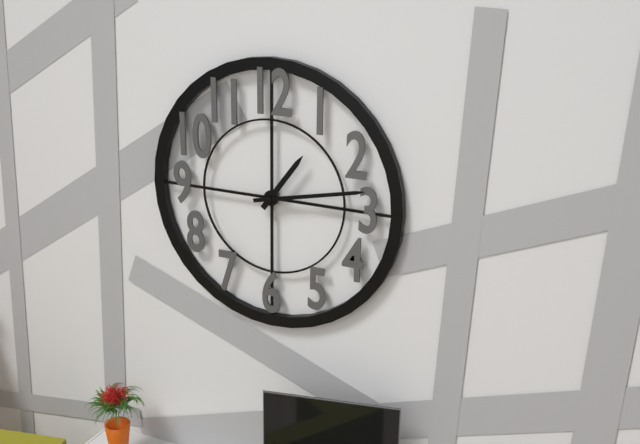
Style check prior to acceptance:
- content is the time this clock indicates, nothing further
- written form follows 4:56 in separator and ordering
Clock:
1:13
